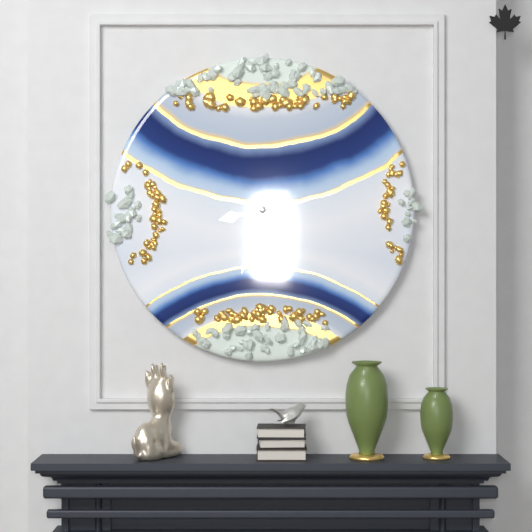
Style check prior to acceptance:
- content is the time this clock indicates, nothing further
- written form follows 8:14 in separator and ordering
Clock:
8:33
